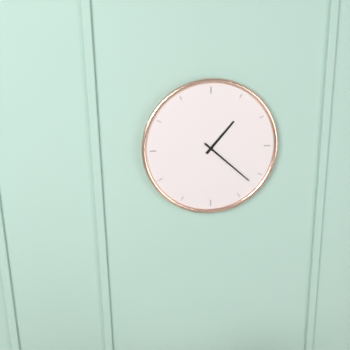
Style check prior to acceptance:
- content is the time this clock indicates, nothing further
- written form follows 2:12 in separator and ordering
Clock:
1:22
